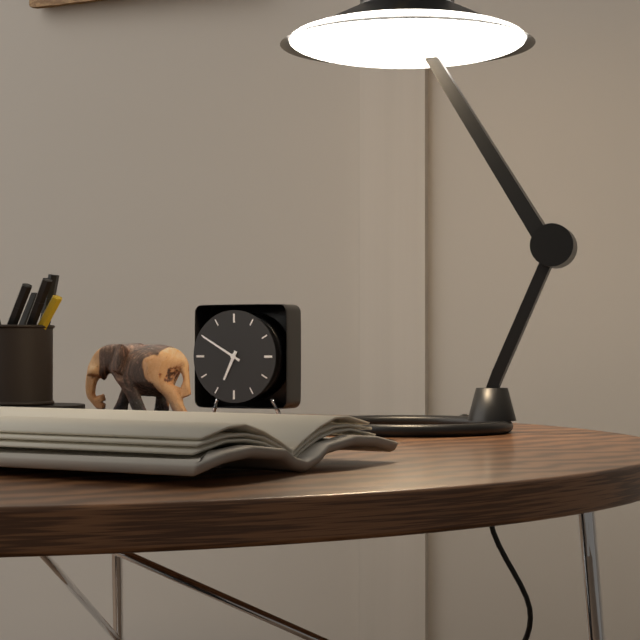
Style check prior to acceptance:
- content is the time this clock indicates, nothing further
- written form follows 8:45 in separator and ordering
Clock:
6:50
